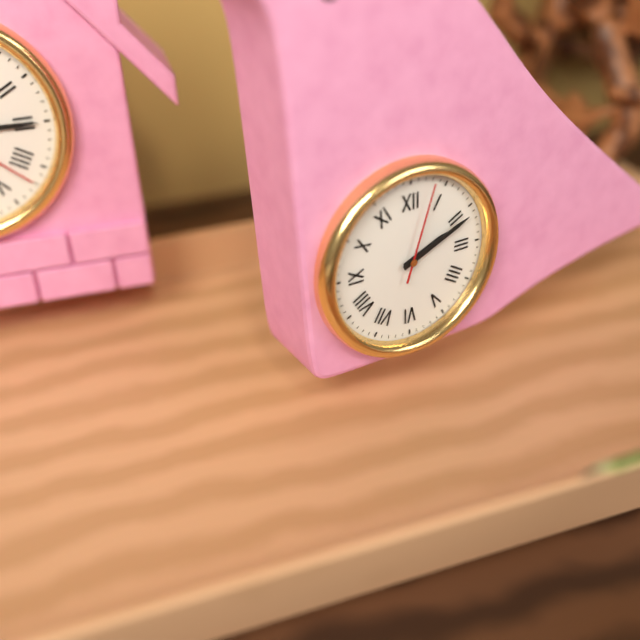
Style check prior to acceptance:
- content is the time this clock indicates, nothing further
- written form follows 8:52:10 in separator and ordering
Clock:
2:11:03
